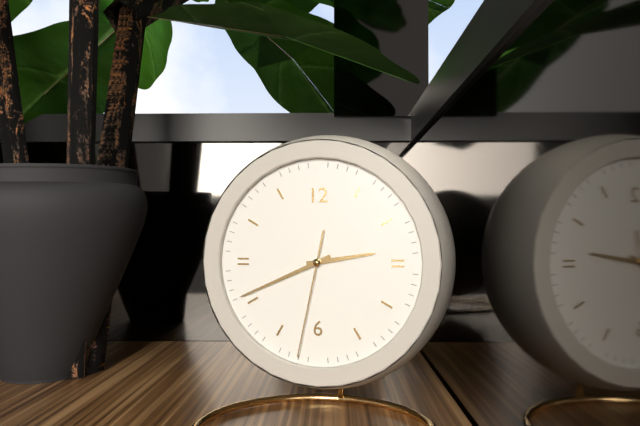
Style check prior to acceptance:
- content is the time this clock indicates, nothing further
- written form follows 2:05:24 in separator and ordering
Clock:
2:41:32
